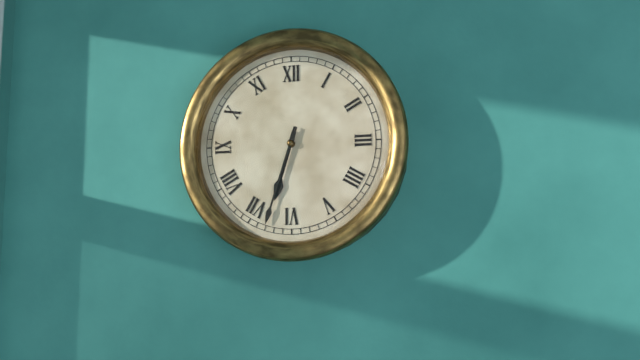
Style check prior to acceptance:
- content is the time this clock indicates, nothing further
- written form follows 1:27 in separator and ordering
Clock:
6:33
